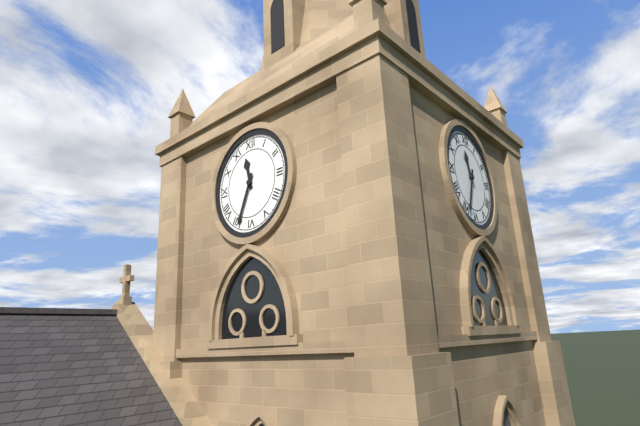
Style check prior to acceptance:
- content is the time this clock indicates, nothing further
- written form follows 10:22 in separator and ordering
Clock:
11:34
